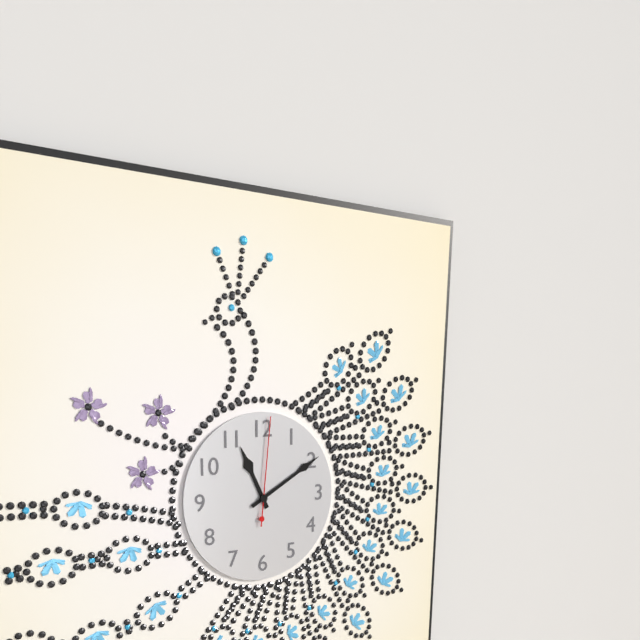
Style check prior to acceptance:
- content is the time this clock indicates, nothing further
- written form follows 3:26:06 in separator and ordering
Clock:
11:10:01
